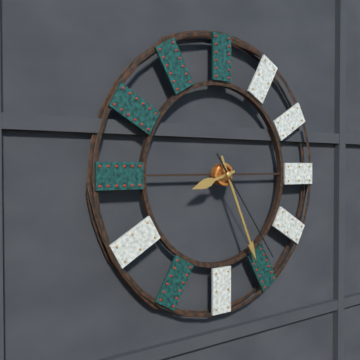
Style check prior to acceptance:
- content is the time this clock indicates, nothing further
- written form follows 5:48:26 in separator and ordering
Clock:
8:26:24
